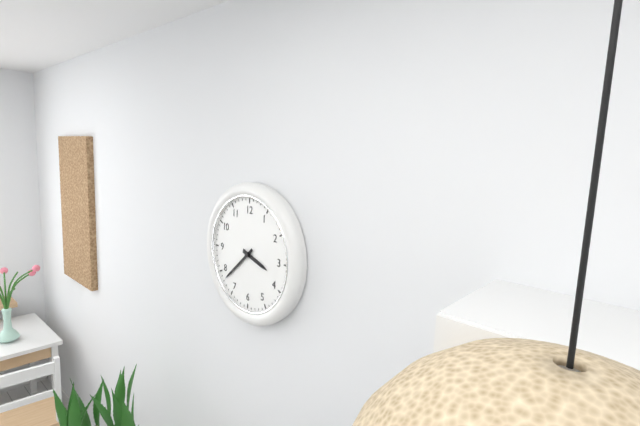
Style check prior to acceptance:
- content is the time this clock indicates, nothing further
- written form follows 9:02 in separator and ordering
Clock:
3:38
